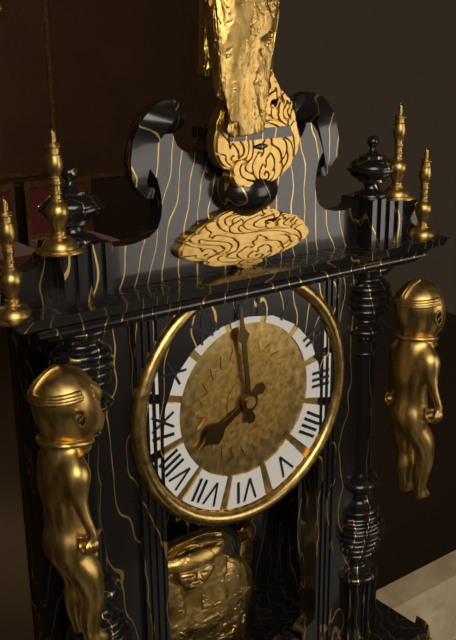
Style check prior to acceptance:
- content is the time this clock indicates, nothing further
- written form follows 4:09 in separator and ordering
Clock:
7:59
